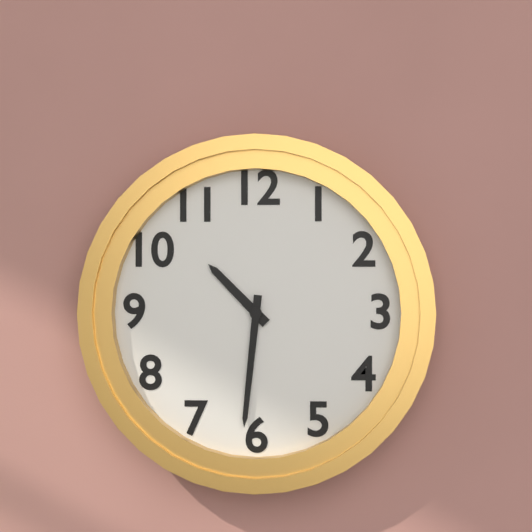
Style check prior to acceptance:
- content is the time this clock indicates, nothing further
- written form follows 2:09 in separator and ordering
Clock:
10:31
